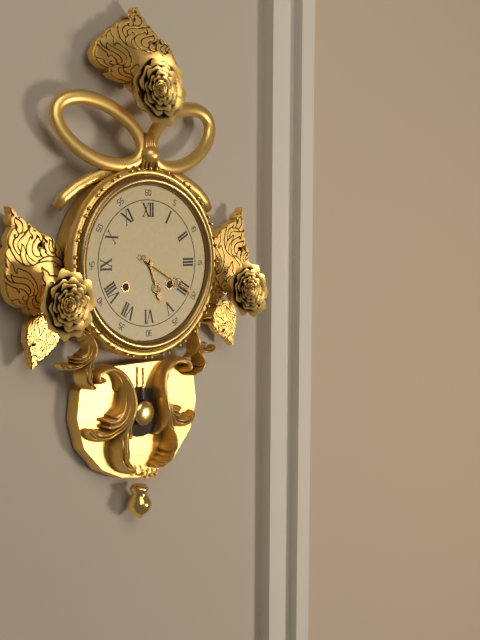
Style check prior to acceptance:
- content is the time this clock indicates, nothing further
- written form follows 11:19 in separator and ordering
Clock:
5:20
